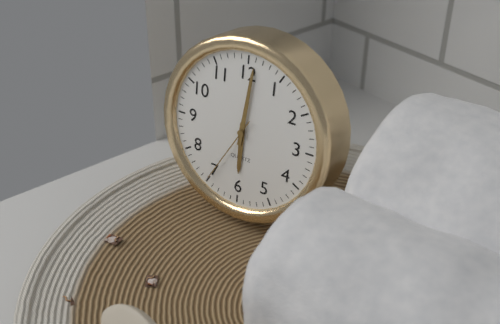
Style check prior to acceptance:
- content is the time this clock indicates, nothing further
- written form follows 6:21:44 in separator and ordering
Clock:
6:01:35
